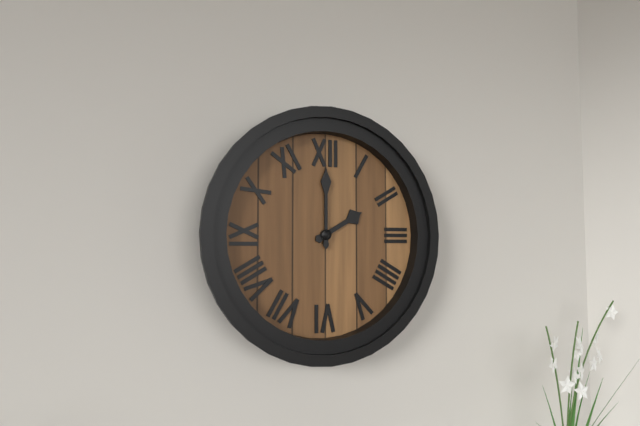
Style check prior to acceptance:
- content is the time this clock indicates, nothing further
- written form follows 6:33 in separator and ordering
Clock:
2:00
